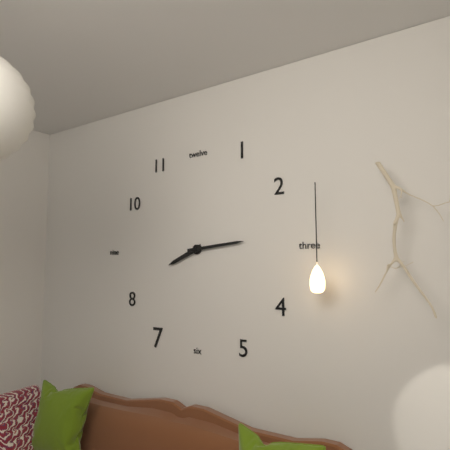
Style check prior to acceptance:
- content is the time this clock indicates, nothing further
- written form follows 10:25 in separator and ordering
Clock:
8:14
